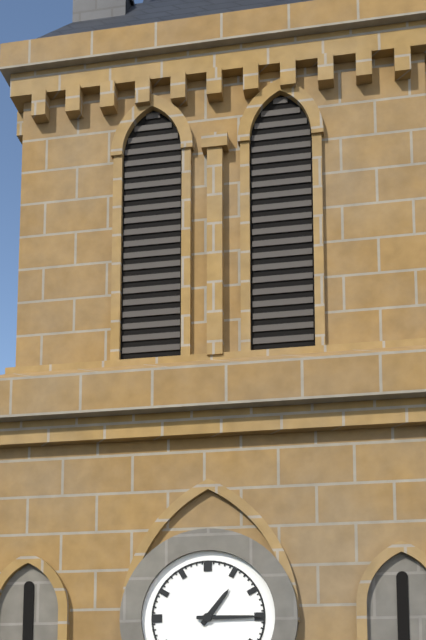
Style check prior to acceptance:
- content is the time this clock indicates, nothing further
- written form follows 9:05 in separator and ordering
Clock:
1:15
